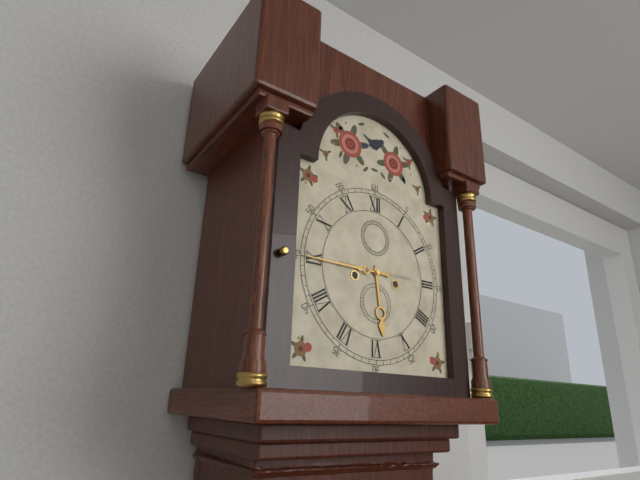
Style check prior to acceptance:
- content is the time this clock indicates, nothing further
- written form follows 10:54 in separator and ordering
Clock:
5:45
